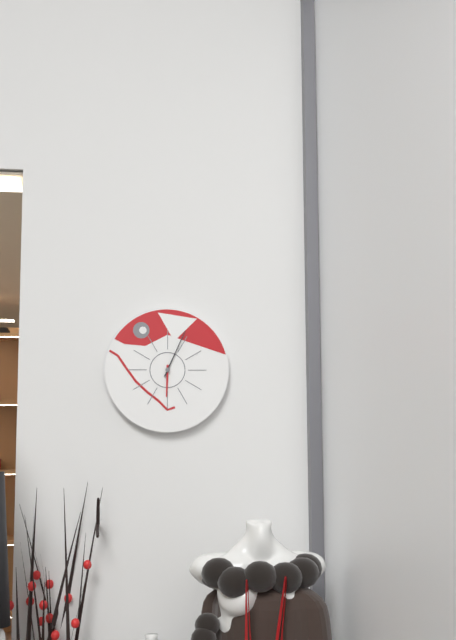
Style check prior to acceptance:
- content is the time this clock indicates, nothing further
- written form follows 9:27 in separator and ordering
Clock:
6:04
